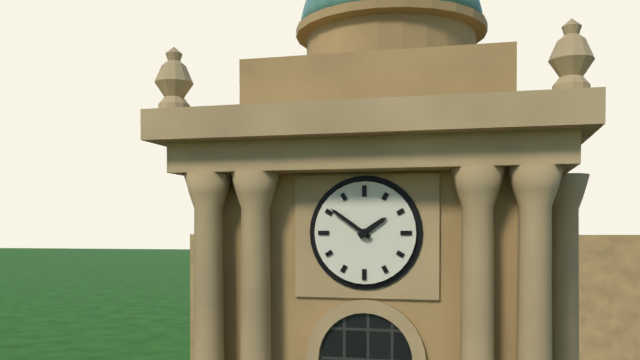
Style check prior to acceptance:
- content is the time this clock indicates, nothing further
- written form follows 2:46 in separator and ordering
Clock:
1:51
